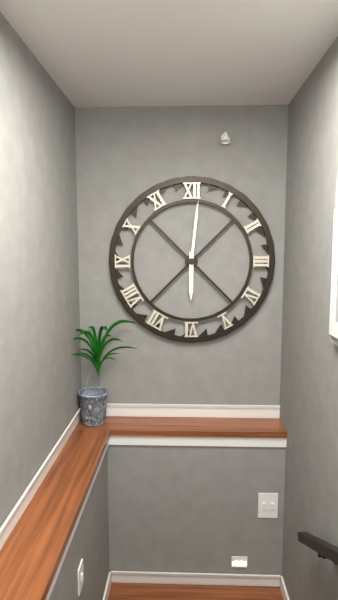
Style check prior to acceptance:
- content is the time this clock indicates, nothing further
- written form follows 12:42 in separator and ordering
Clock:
6:01
